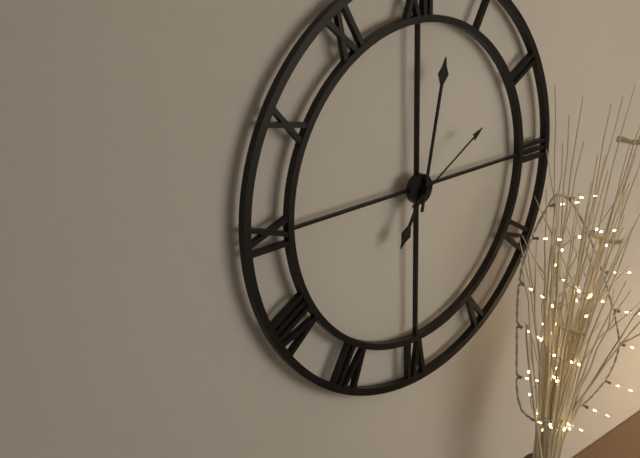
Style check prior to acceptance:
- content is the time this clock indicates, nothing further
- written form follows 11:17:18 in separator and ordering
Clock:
7:02:10
